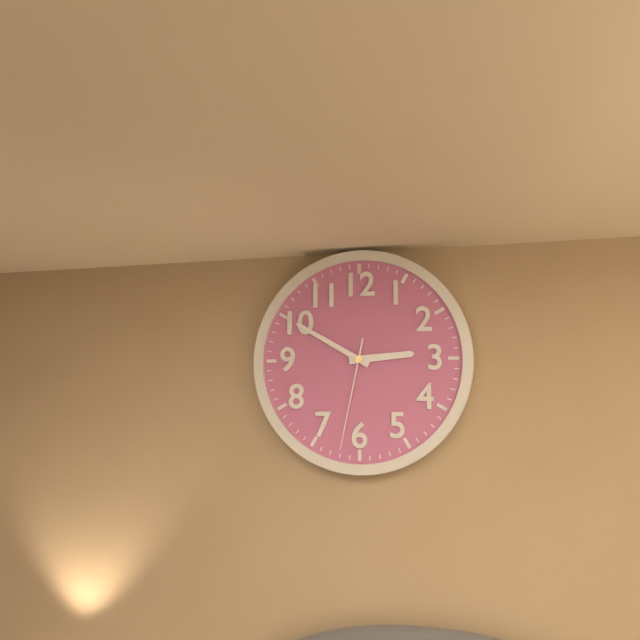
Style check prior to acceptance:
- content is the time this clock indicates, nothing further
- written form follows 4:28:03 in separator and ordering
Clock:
2:50:32
